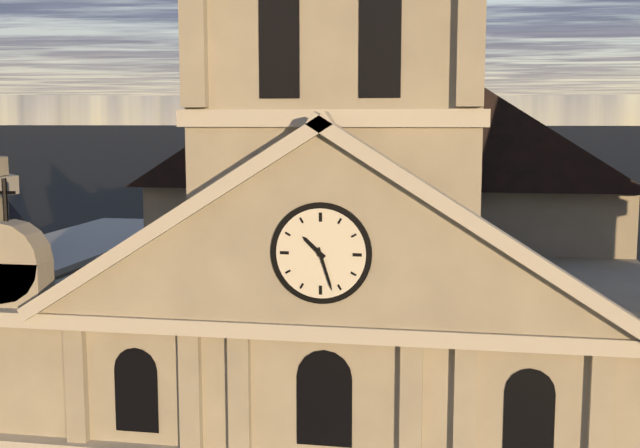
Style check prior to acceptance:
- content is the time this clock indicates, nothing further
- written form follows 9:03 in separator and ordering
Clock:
10:27
